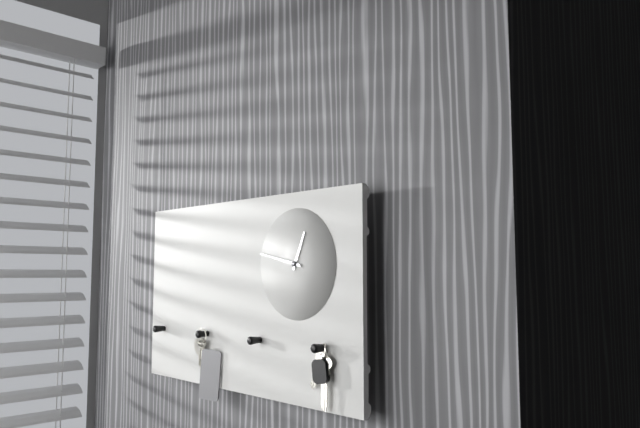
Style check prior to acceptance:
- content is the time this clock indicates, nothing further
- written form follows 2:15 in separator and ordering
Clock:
12:47
